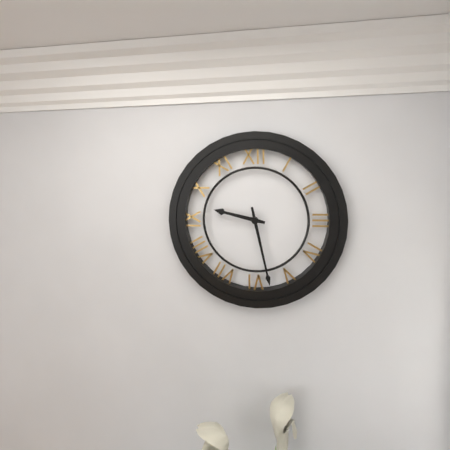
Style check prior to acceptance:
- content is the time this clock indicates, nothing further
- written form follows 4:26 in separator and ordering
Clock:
9:28
